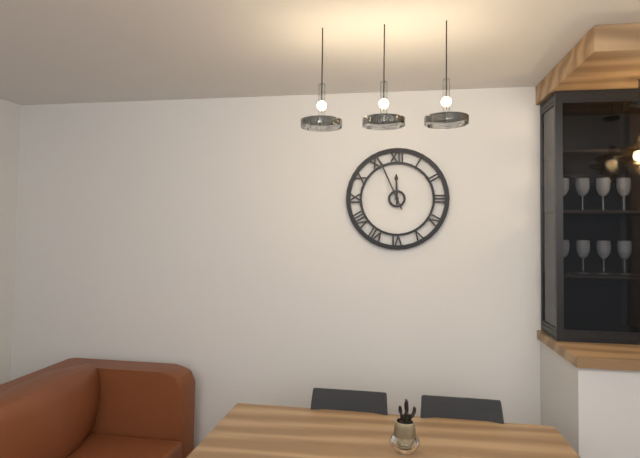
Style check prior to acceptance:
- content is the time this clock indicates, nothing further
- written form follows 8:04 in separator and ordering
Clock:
11:56
